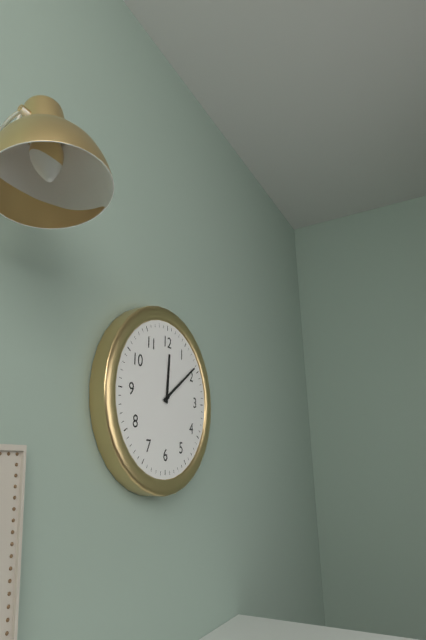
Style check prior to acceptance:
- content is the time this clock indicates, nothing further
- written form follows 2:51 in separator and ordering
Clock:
12:09
